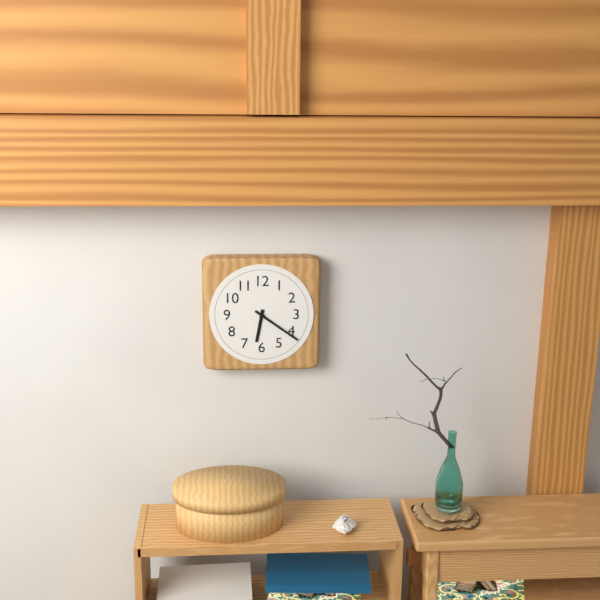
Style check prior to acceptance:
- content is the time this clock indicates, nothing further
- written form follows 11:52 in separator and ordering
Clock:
6:21
